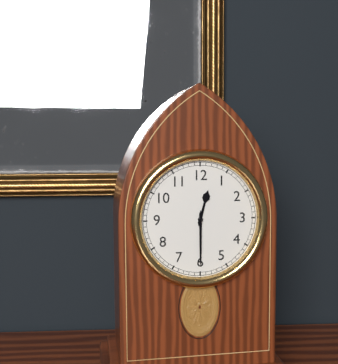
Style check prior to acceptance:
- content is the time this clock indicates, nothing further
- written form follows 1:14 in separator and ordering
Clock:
12:30
